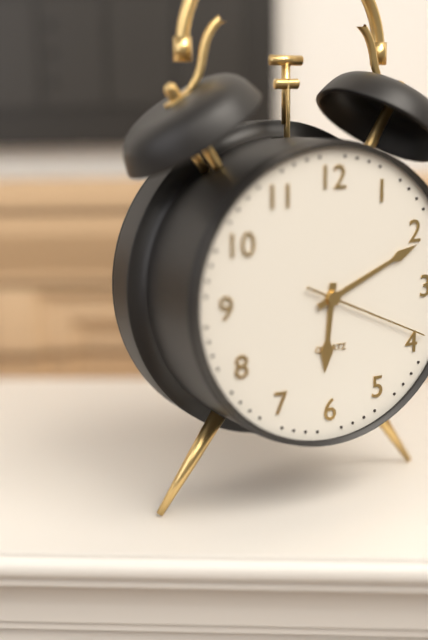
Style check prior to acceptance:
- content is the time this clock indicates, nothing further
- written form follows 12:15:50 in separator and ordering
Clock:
6:11:19
